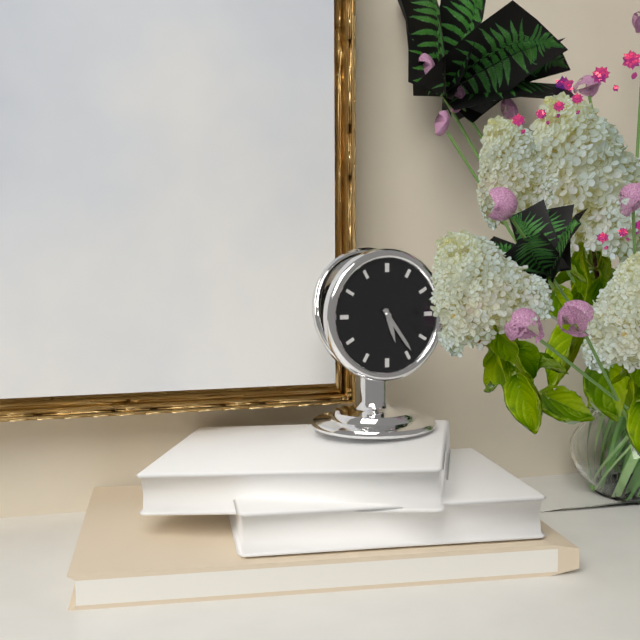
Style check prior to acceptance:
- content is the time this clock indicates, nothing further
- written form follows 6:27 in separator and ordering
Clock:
5:24
